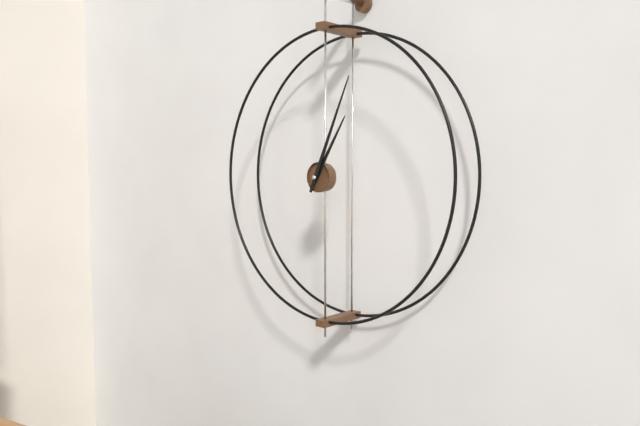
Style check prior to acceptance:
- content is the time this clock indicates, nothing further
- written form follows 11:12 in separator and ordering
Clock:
1:04
